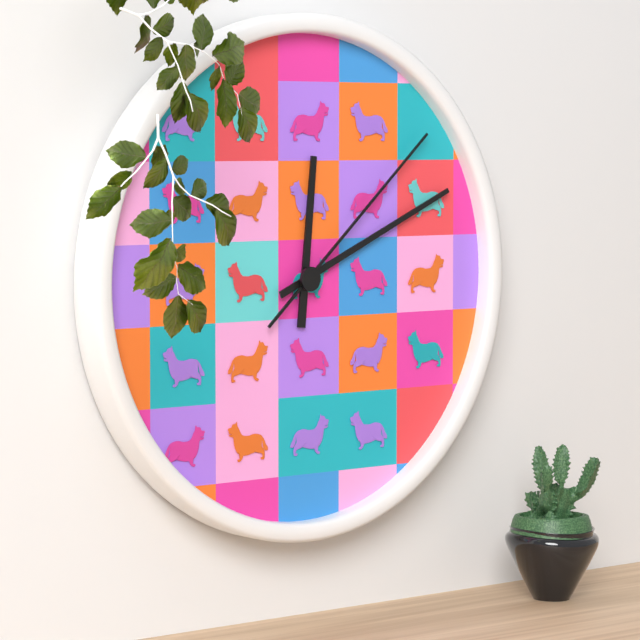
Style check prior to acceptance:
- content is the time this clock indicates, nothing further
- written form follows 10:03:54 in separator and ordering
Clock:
12:11:08
